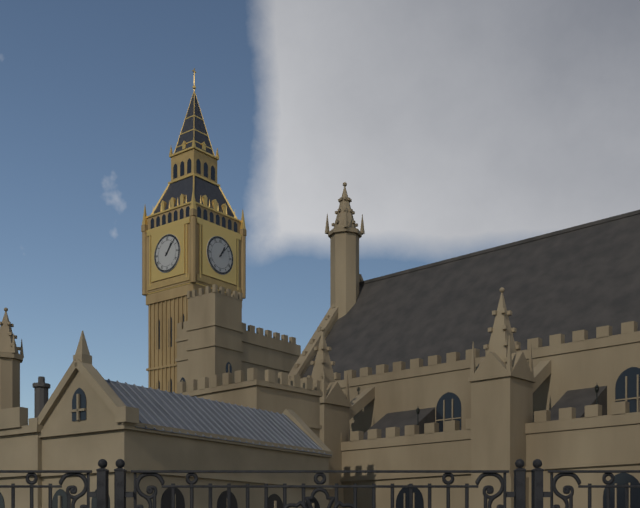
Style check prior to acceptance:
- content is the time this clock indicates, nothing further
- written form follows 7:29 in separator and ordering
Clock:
1:07
